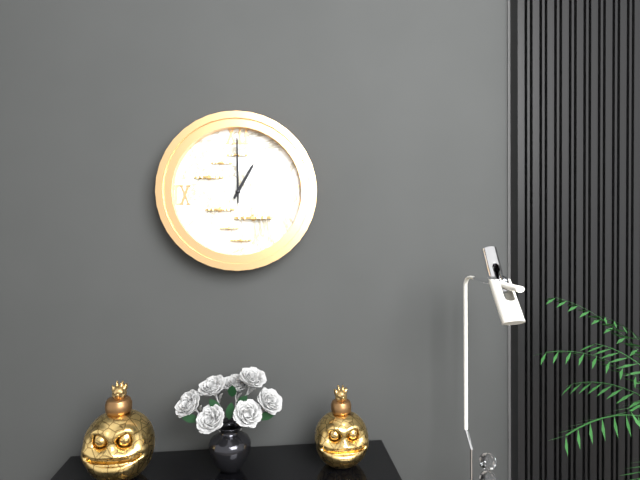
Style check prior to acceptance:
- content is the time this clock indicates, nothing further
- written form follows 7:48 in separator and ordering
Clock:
1:00
